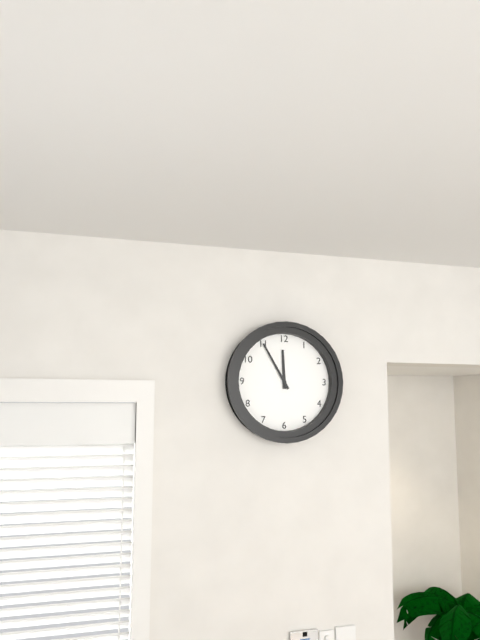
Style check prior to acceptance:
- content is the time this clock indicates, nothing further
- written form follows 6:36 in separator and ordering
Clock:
11:55
